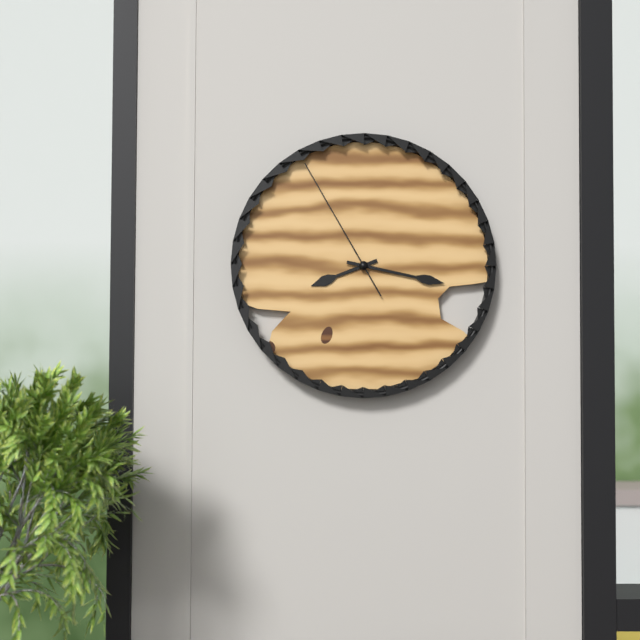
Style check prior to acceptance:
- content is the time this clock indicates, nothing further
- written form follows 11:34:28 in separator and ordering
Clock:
8:17:55
